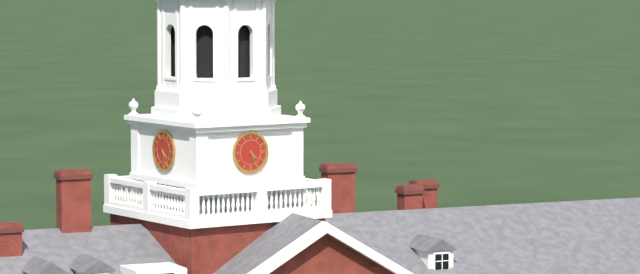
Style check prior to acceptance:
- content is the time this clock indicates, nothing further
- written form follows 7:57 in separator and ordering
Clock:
4:26
